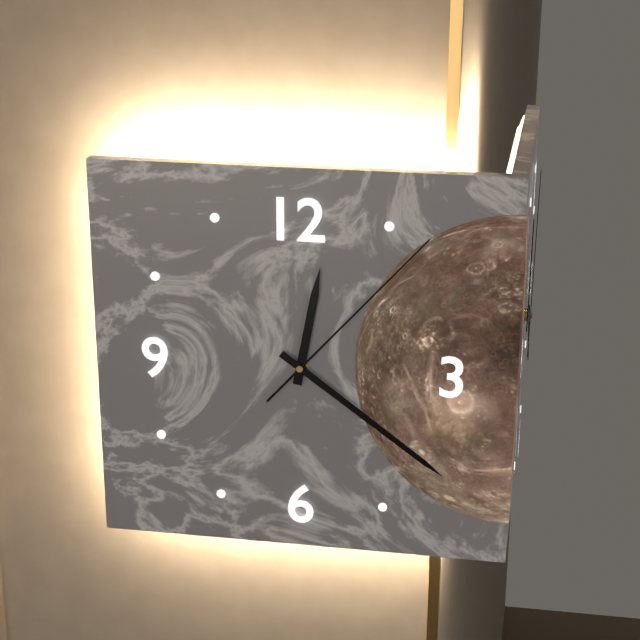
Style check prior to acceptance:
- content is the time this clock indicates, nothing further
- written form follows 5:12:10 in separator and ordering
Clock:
12:21:07
